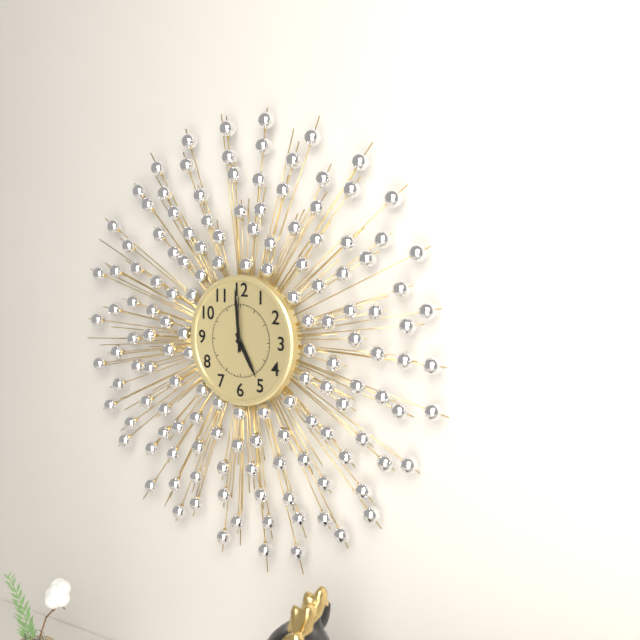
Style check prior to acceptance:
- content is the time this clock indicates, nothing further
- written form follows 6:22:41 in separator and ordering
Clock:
4:59:00
